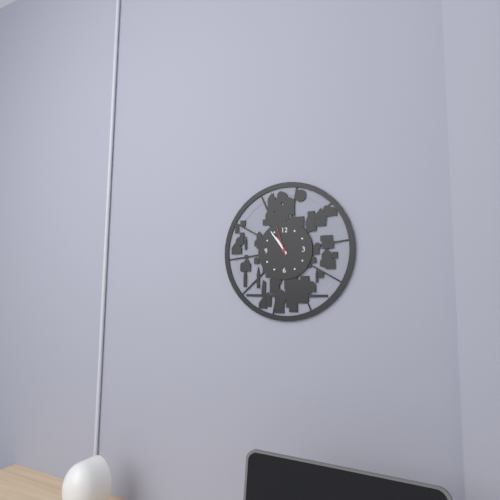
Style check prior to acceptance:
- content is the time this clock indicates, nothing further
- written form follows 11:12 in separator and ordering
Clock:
10:54
